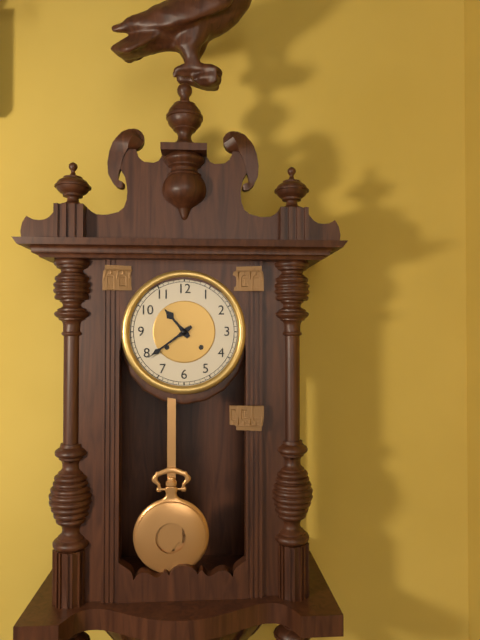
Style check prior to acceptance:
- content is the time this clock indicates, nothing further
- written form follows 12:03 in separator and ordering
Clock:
10:39
